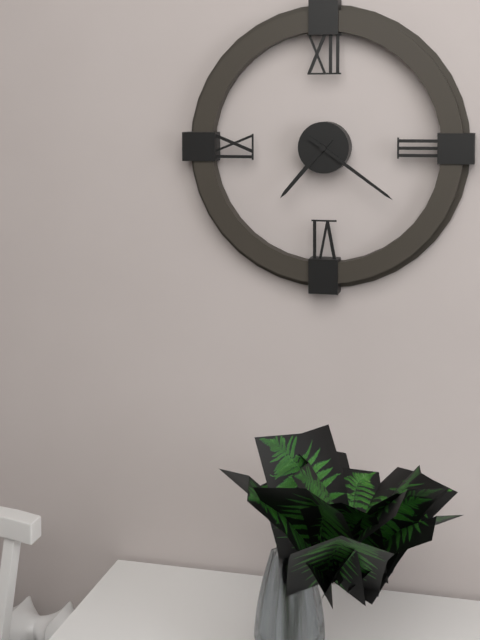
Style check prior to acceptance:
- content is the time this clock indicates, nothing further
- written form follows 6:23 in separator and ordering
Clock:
7:21
